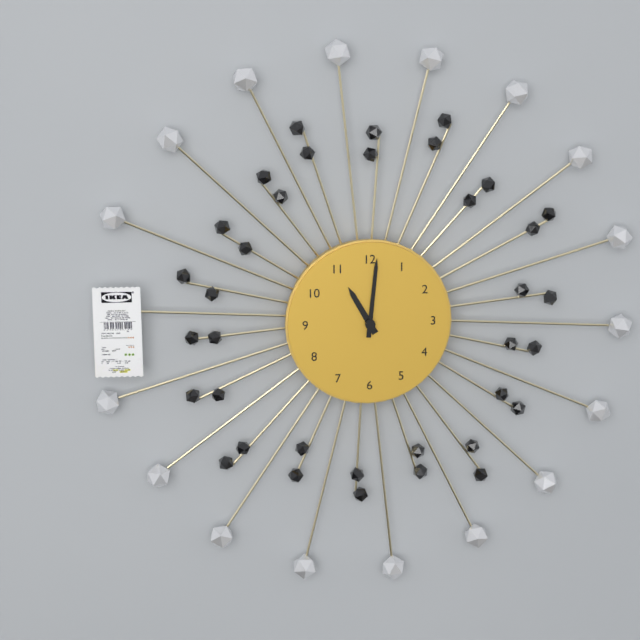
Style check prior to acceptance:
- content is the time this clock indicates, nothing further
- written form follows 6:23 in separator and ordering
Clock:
11:01
